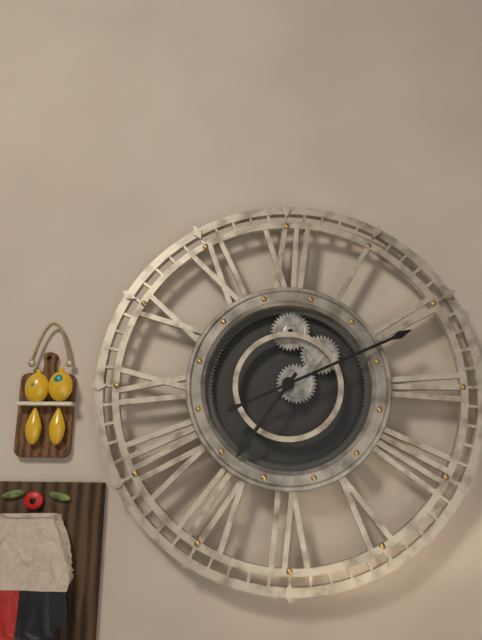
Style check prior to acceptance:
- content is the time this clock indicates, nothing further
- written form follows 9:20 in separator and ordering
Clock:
7:11
